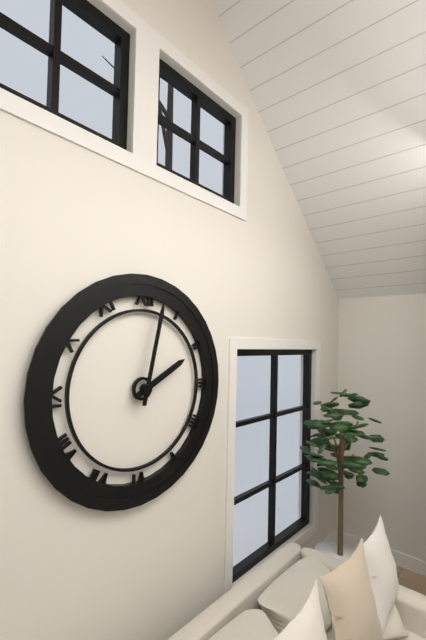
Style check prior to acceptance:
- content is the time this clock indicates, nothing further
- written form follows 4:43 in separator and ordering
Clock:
2:02
